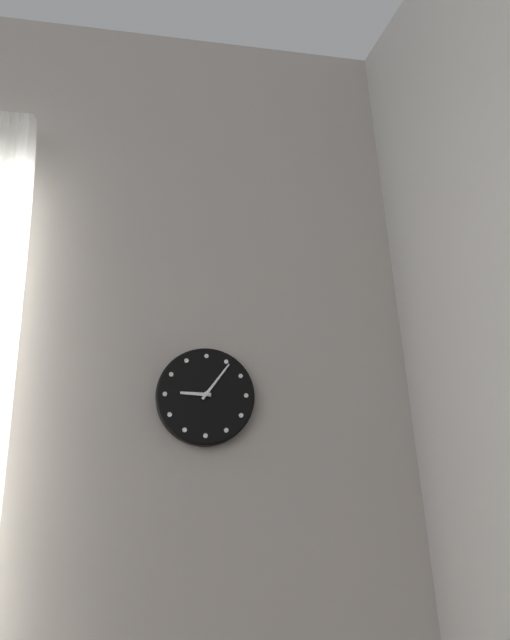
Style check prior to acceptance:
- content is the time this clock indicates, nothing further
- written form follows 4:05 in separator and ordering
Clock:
9:06
